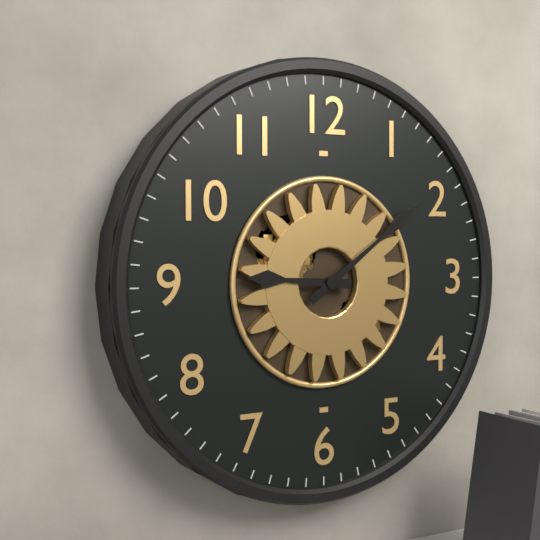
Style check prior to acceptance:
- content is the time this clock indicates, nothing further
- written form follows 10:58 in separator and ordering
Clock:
9:09
